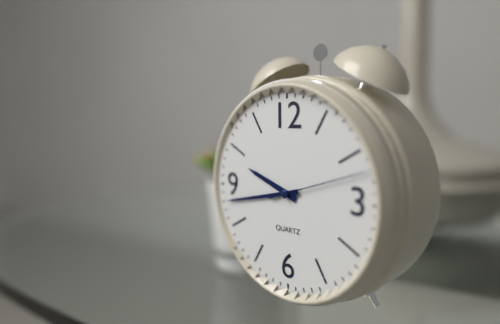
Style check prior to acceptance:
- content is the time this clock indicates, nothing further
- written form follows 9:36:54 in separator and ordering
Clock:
9:43:12
